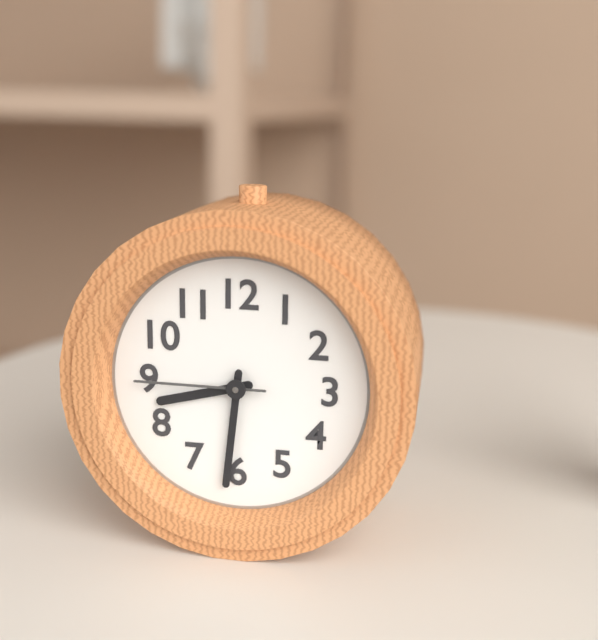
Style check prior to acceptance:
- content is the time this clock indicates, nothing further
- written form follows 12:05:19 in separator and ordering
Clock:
8:31:45
